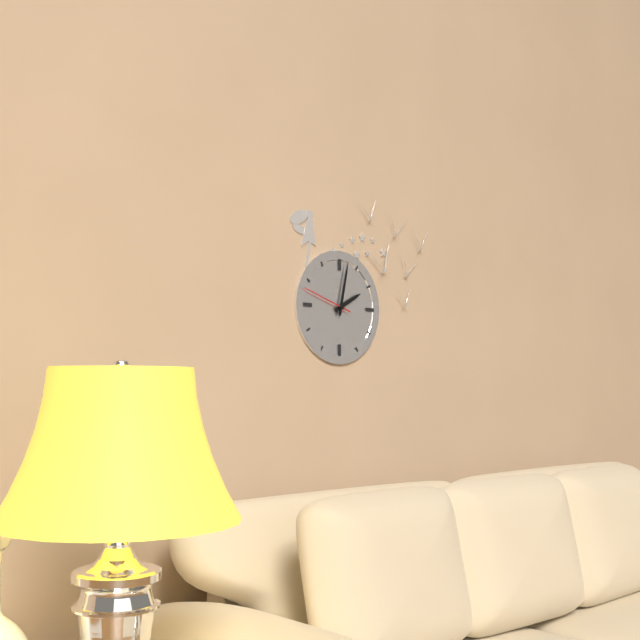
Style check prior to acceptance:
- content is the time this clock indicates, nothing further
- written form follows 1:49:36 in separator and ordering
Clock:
2:02:48
